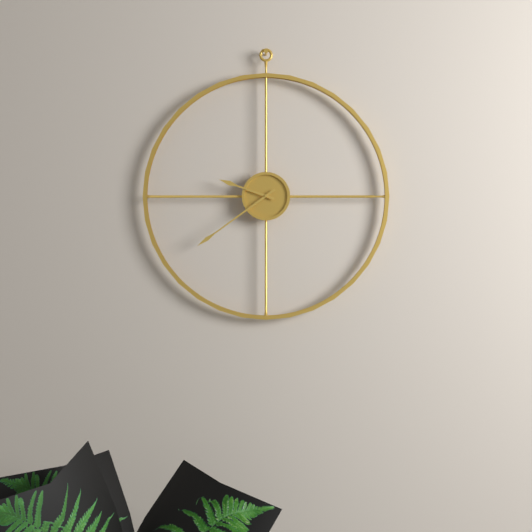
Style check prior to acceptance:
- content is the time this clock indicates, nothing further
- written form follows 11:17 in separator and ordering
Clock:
9:39
